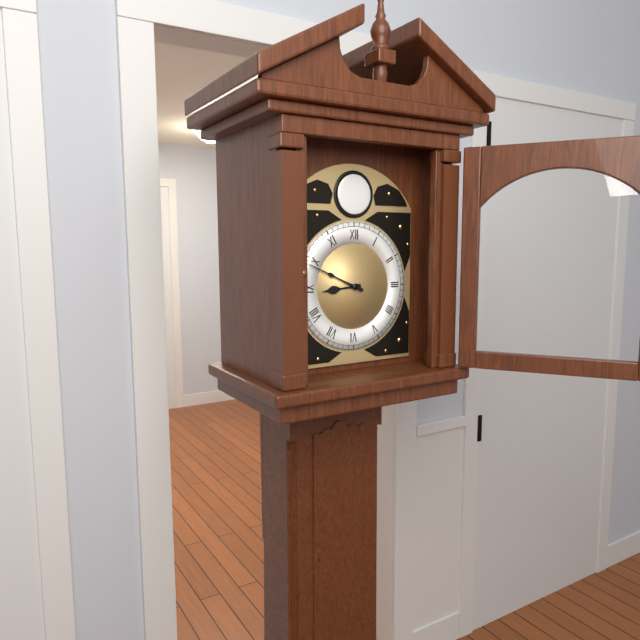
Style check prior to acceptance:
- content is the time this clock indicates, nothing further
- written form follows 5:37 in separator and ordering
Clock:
8:49
